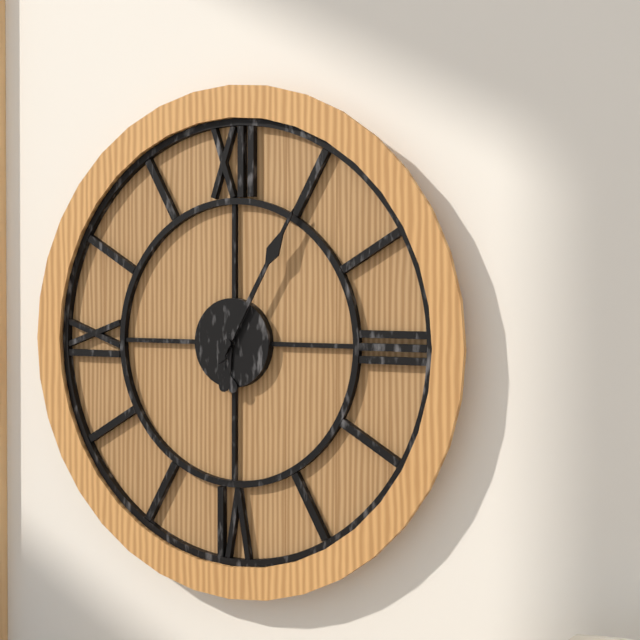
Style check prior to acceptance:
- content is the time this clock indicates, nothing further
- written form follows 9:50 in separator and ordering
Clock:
6:05
